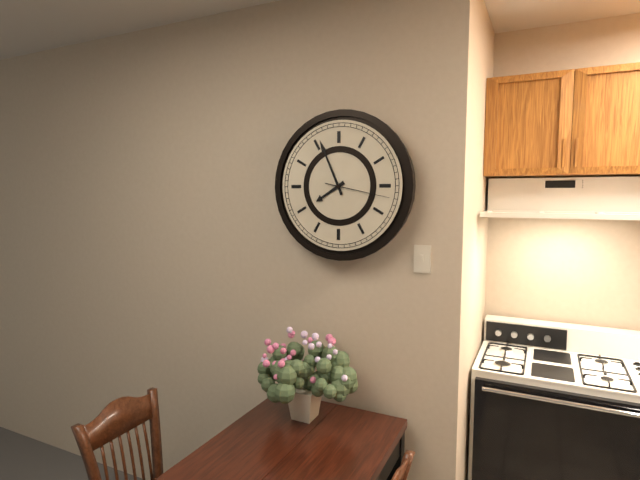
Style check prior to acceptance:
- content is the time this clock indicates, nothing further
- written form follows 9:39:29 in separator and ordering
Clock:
7:56:17
